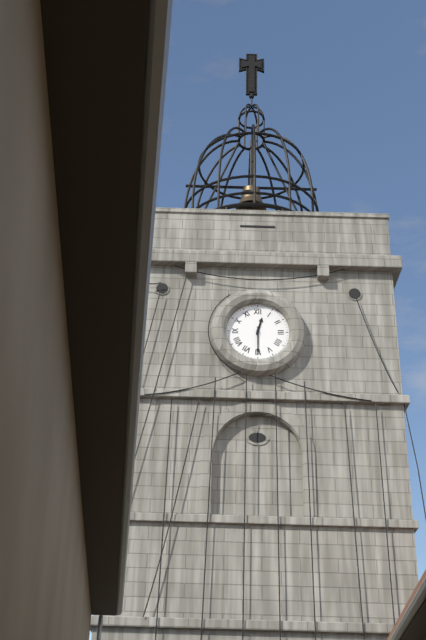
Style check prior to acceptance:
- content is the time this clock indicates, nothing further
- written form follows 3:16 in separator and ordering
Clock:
12:30
